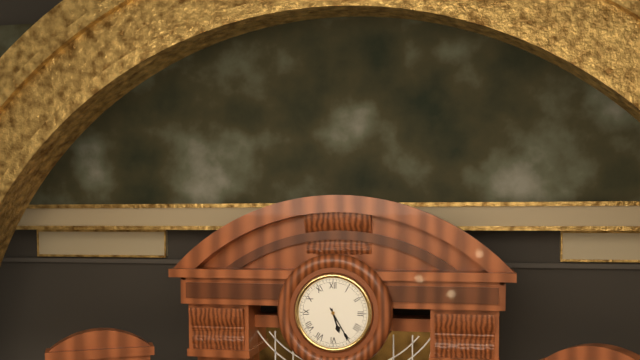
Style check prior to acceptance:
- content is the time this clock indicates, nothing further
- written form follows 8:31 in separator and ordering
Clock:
5:25
